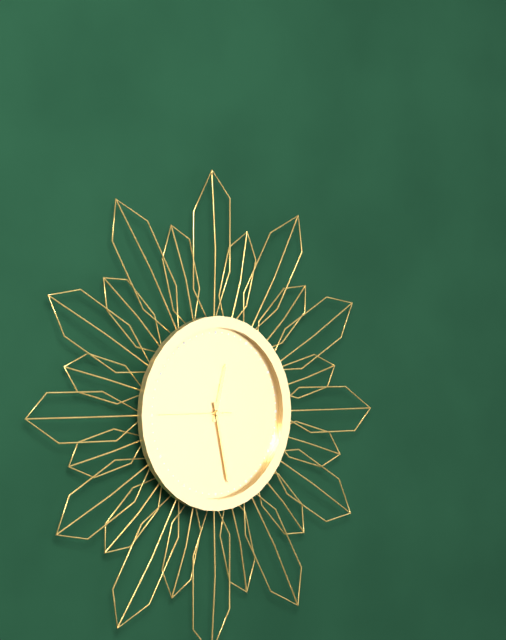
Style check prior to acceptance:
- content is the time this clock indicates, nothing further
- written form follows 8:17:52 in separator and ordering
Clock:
12:28:45
